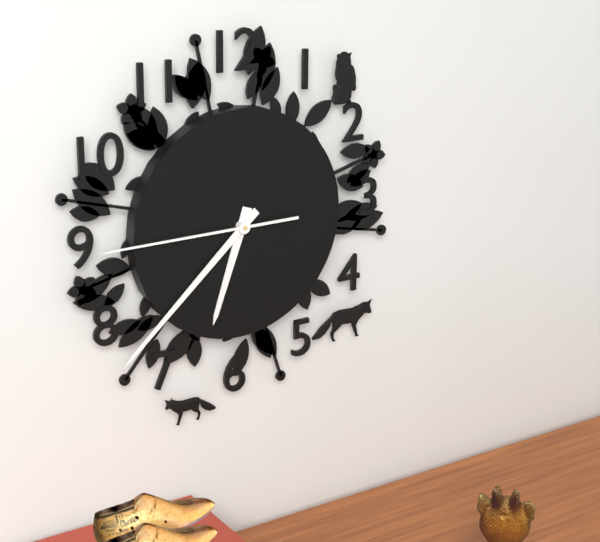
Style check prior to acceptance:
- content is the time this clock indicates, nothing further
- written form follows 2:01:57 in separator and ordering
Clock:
6:38:45
